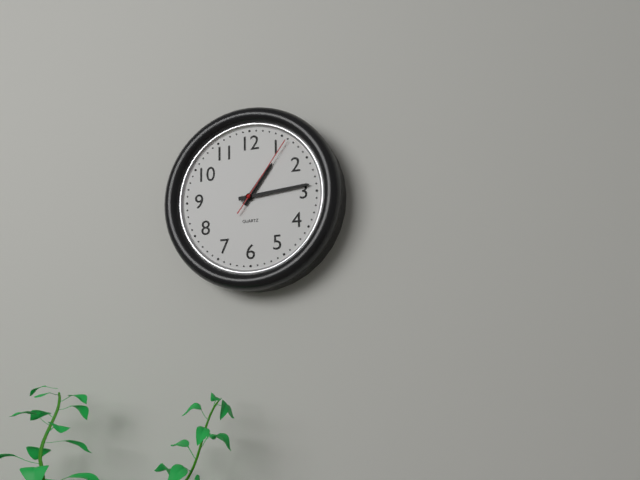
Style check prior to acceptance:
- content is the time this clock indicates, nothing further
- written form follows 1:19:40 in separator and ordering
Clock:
1:14:06
